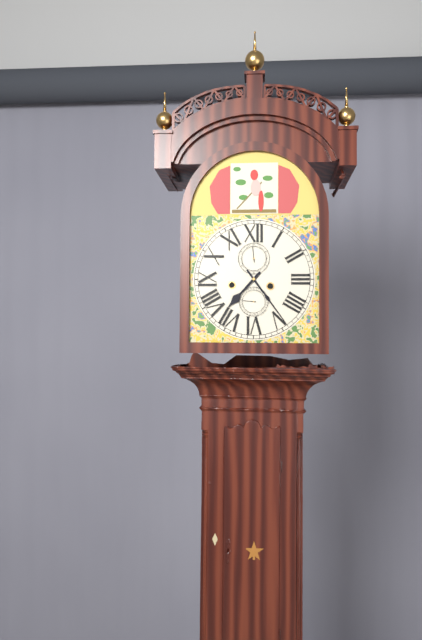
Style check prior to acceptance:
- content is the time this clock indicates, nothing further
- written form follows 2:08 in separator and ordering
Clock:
7:24
